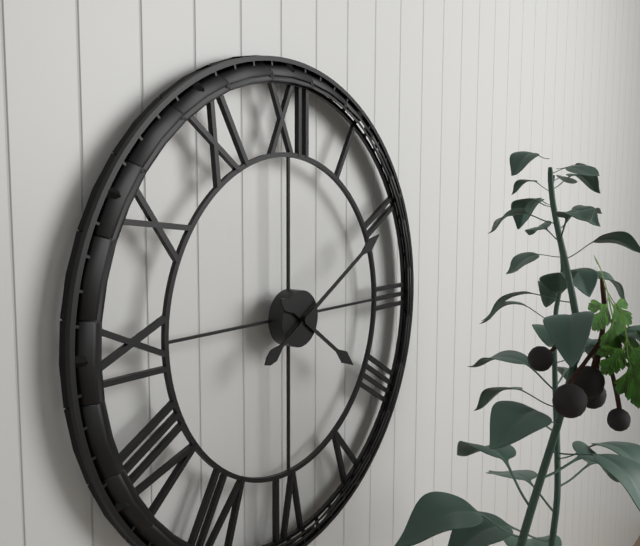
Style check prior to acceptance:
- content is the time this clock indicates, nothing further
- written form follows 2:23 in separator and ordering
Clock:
4:10
